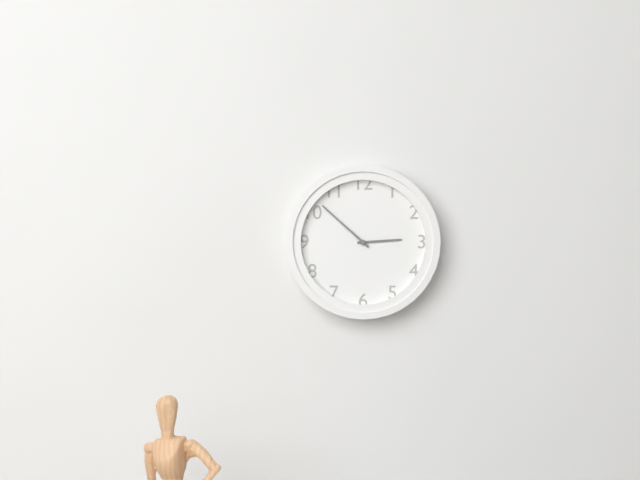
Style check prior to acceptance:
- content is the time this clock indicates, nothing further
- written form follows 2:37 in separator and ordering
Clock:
2:52
